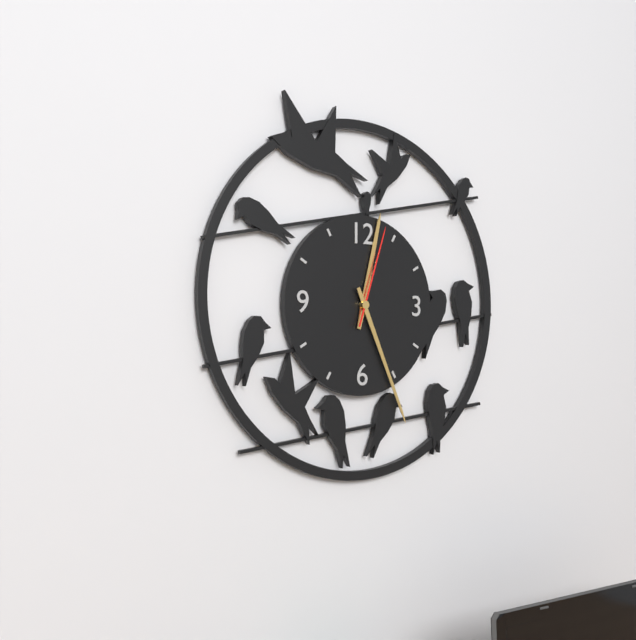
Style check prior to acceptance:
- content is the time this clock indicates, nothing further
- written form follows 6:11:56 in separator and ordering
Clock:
12:26:03
